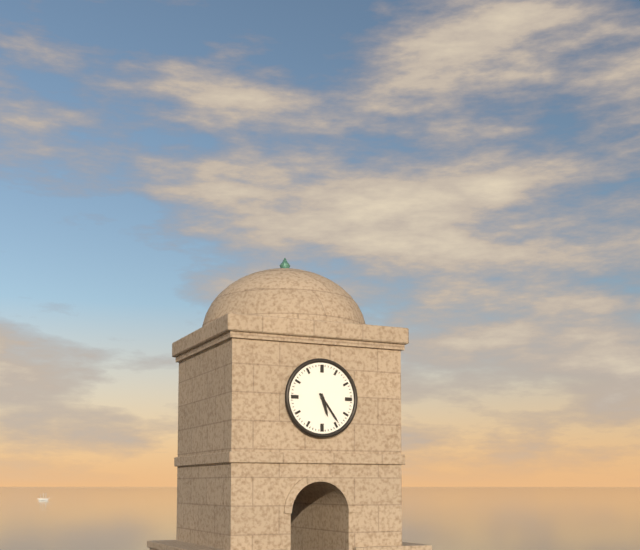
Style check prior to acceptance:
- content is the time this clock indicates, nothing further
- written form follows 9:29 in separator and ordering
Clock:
5:24
